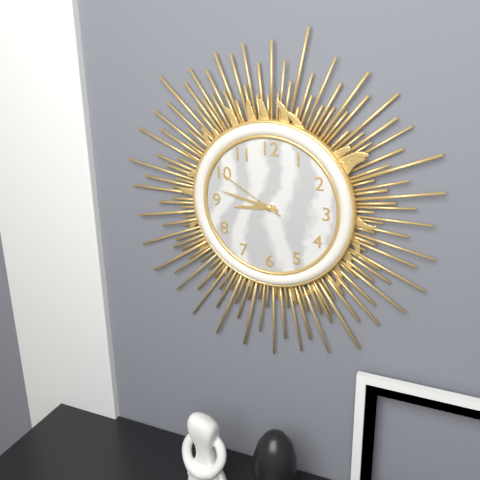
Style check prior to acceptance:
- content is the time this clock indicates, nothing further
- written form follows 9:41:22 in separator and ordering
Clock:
8:47:50
